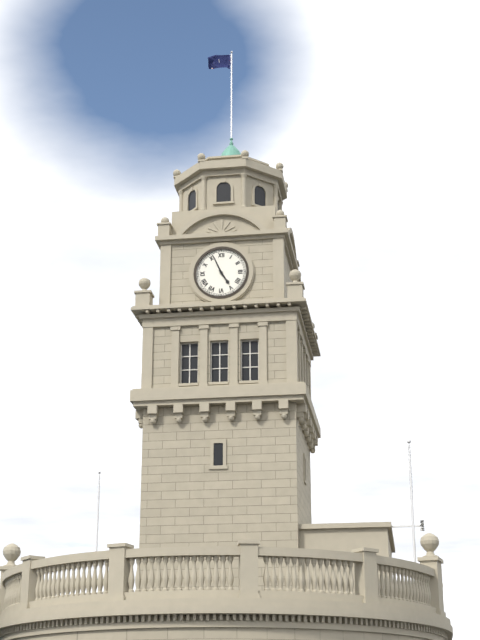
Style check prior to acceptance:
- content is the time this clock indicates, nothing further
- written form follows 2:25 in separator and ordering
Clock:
4:56
